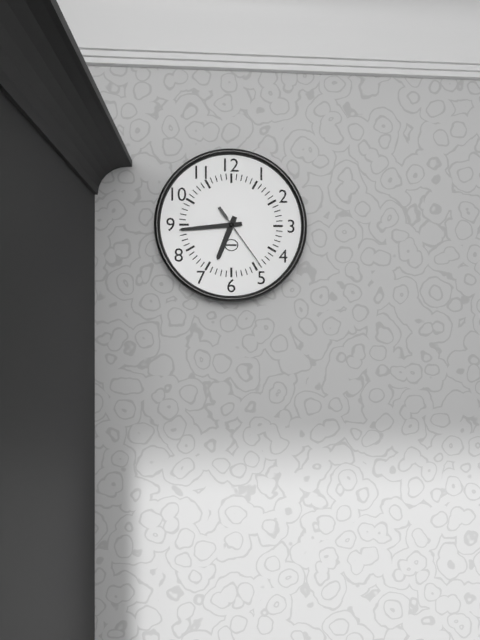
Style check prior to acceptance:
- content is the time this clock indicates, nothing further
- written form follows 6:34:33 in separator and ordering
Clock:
6:44:24
